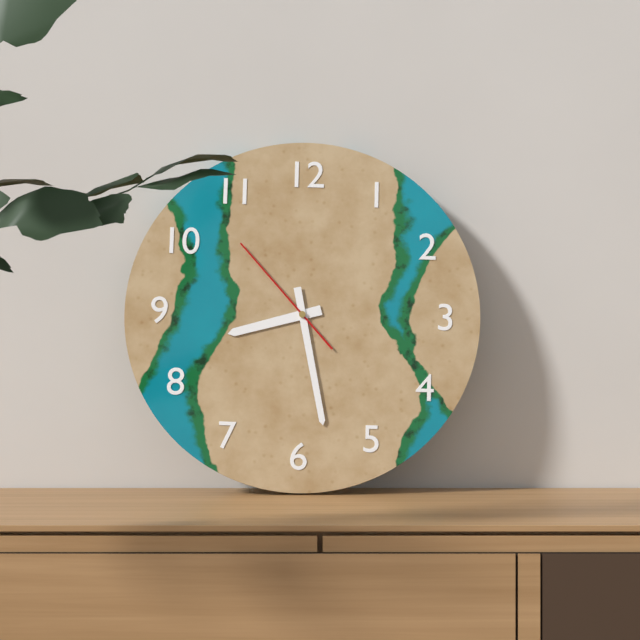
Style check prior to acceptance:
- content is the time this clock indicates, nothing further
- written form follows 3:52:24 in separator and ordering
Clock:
8:28:53
